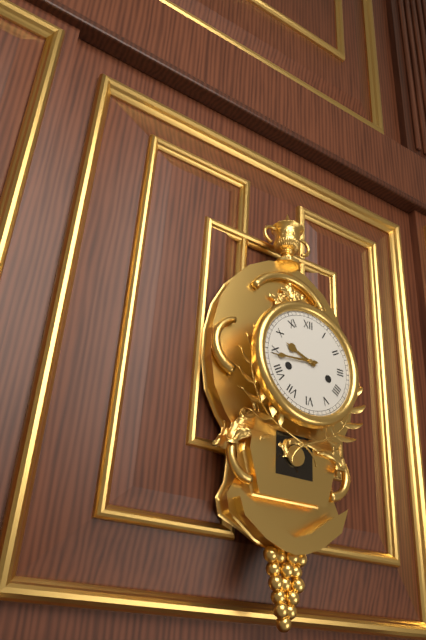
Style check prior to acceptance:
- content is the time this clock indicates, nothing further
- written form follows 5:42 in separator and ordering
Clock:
9:44
